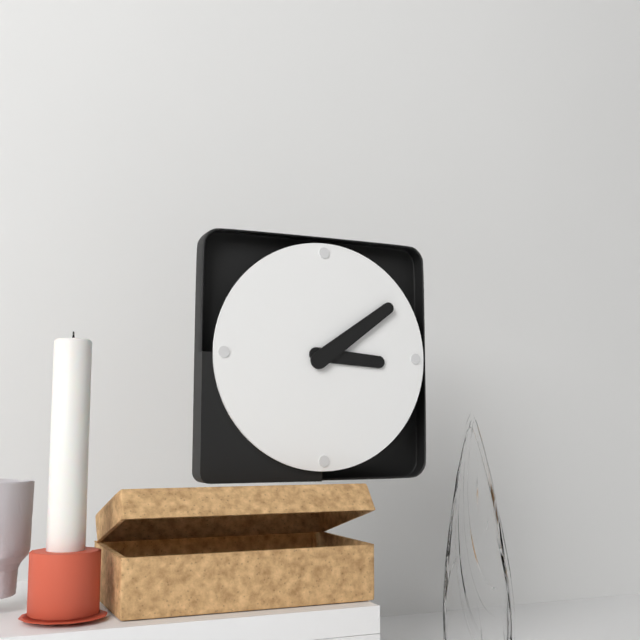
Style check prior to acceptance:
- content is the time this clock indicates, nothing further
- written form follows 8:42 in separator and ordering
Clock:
3:09
